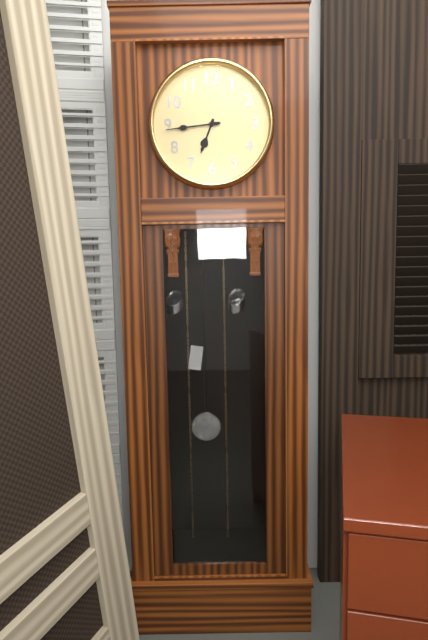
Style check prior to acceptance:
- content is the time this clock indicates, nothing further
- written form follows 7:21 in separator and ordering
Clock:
6:44
